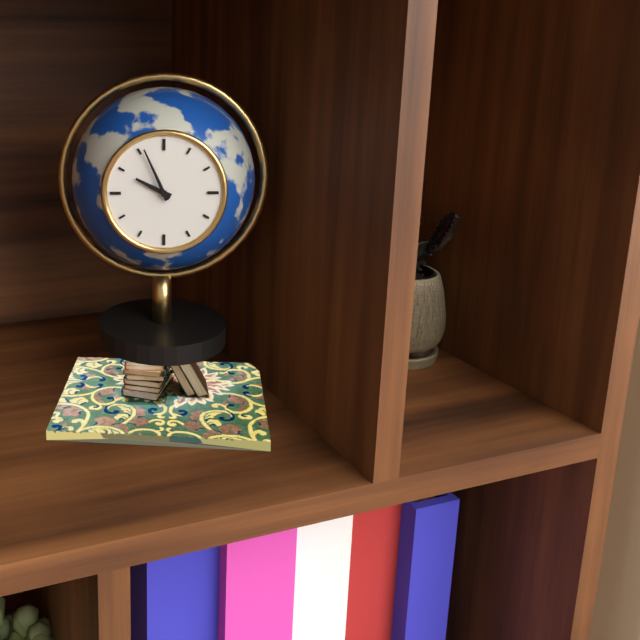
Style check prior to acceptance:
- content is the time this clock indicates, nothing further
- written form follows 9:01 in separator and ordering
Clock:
9:56
